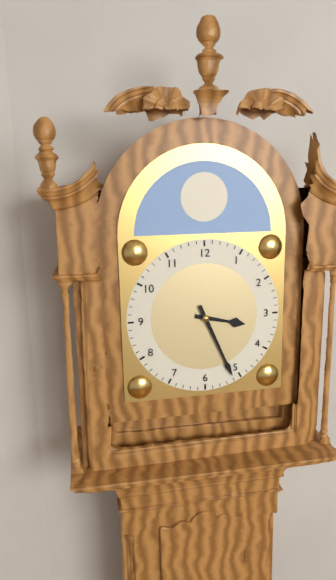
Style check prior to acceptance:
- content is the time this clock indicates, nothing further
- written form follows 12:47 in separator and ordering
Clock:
3:26
